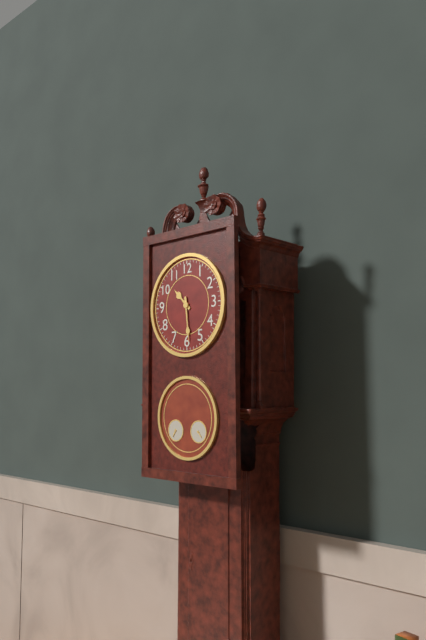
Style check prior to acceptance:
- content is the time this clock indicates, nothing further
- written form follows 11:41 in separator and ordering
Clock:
10:29
